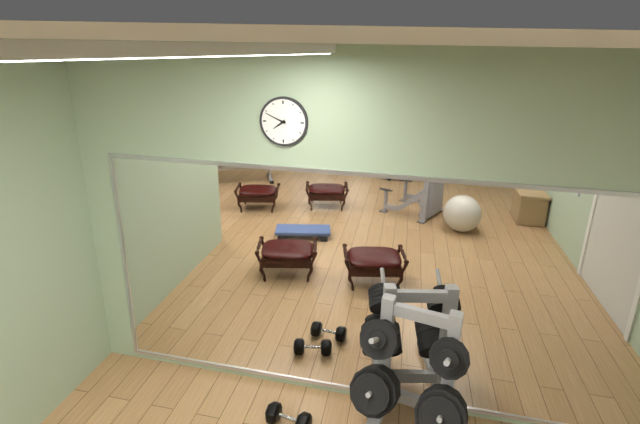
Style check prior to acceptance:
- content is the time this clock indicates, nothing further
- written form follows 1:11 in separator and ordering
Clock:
7:49
